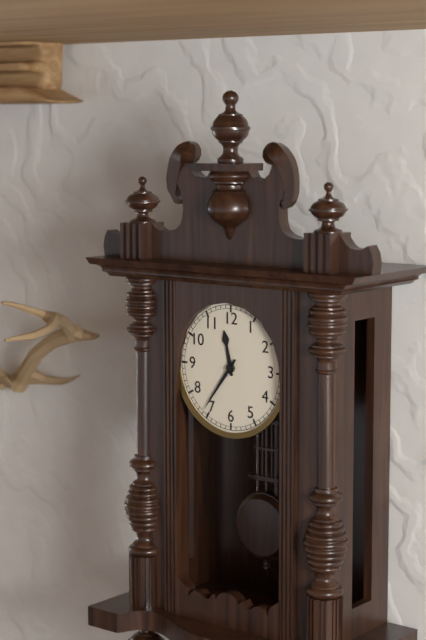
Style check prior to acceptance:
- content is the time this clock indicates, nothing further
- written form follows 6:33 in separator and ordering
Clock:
11:36
